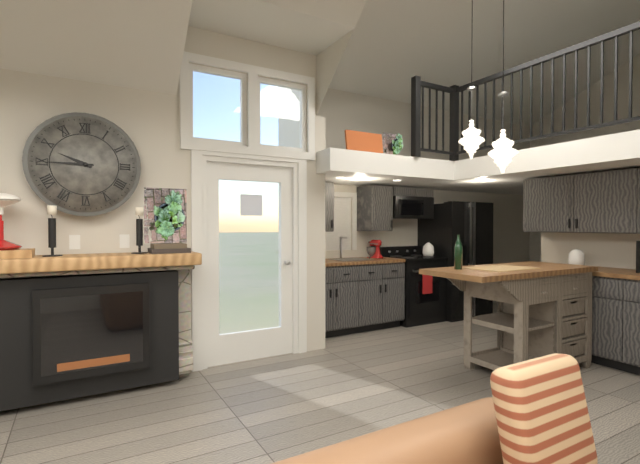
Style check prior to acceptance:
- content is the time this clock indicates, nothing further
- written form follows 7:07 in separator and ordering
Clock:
9:45
